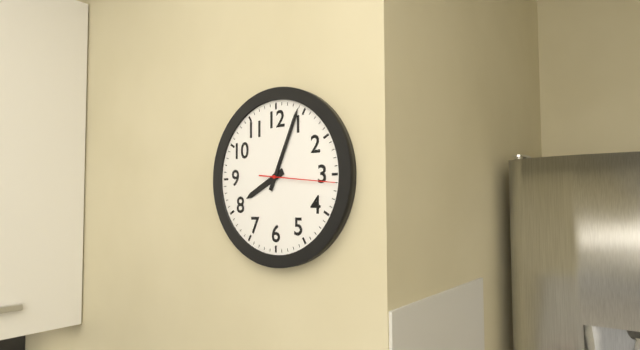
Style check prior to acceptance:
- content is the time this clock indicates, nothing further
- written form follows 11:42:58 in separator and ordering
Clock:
8:04:16
